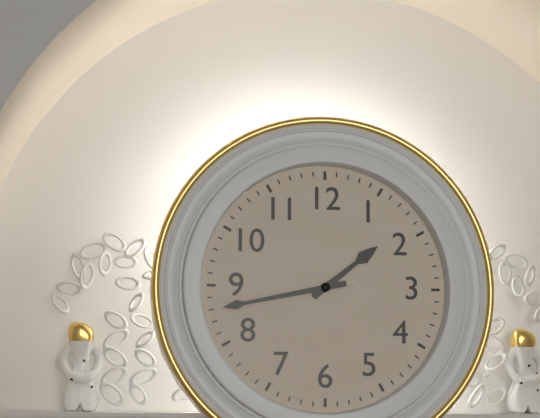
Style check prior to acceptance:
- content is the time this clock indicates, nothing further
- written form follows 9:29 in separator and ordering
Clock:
1:43
